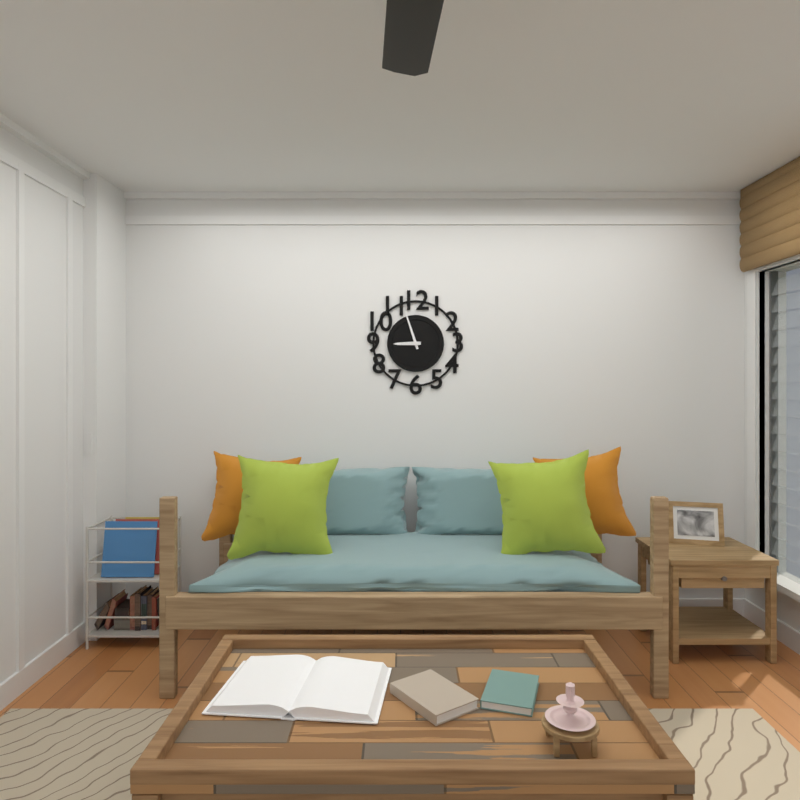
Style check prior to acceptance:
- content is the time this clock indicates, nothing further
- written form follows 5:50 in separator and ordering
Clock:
8:57
